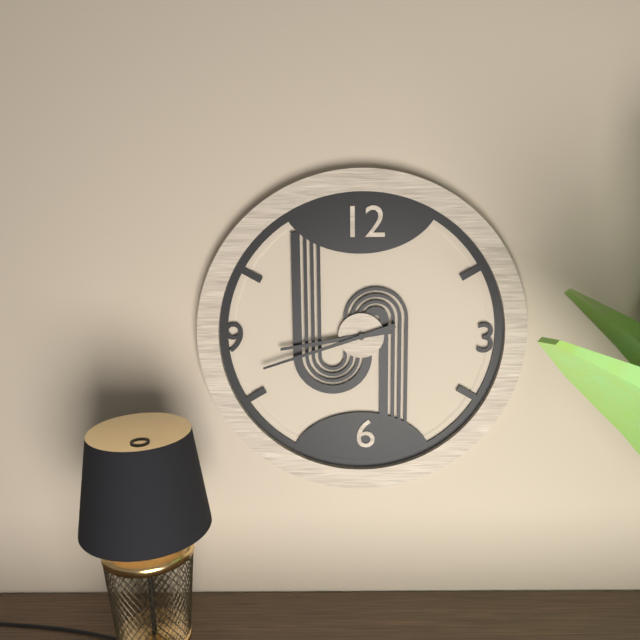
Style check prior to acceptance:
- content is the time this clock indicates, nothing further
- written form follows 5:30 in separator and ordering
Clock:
8:42
